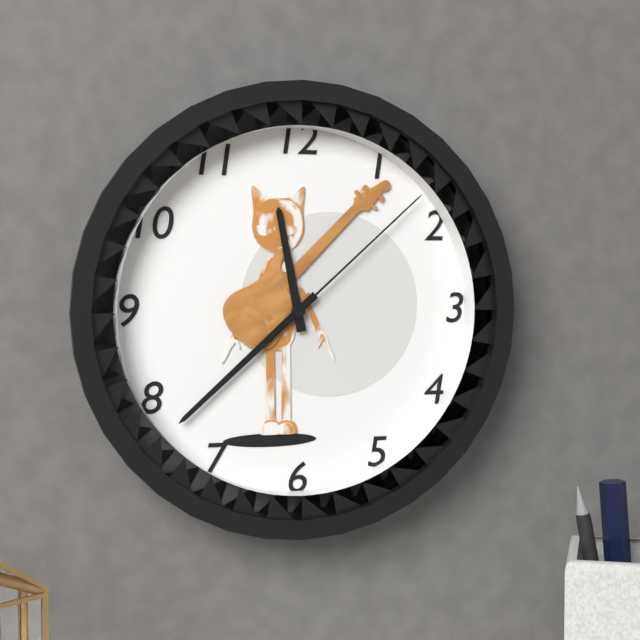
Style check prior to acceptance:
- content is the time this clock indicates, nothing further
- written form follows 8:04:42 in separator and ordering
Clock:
11:38:08
